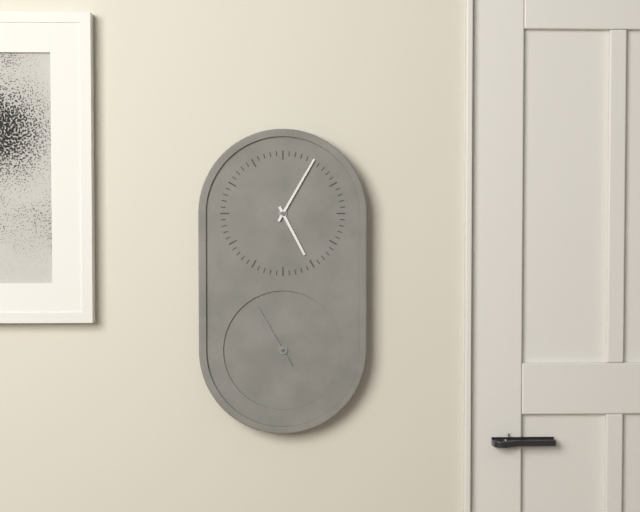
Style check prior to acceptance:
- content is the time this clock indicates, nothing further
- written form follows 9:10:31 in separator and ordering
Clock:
5:05:55
